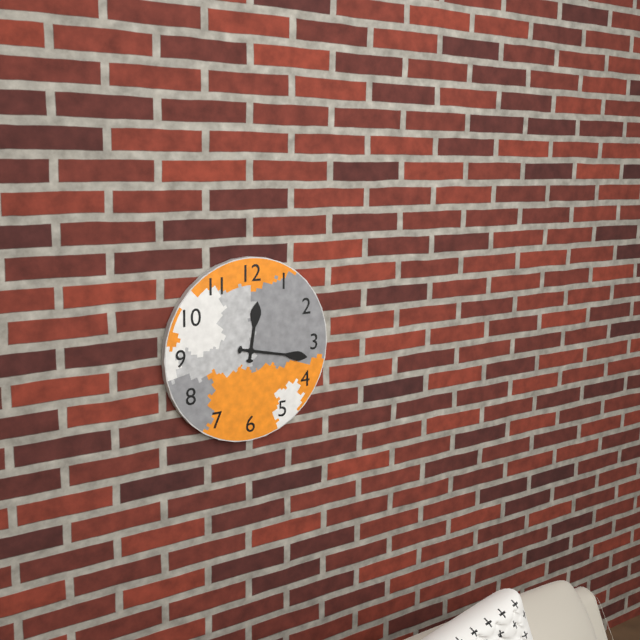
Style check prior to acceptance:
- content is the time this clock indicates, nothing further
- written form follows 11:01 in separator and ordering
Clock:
12:17
